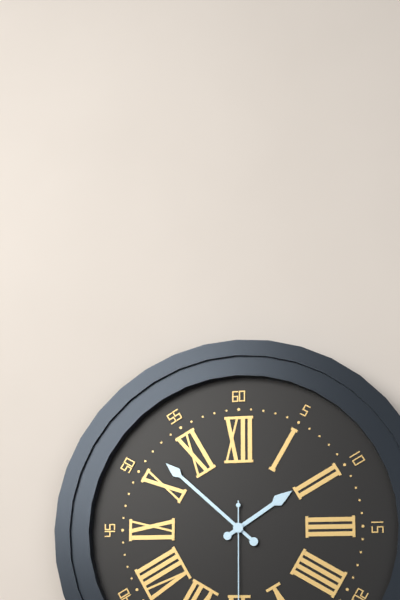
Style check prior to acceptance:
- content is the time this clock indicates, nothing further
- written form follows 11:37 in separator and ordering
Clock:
1:52
